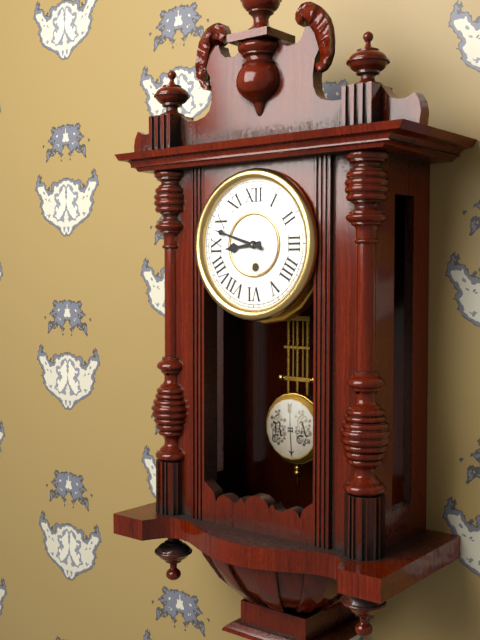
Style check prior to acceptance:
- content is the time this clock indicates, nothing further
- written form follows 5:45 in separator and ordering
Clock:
8:48
